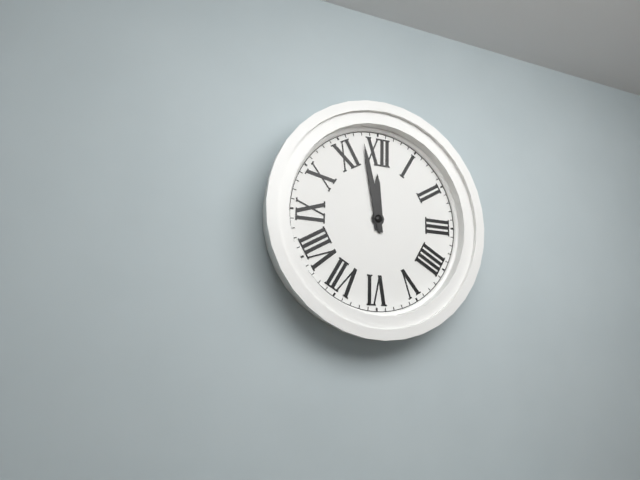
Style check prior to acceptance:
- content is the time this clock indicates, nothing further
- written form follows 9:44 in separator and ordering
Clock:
11:58
